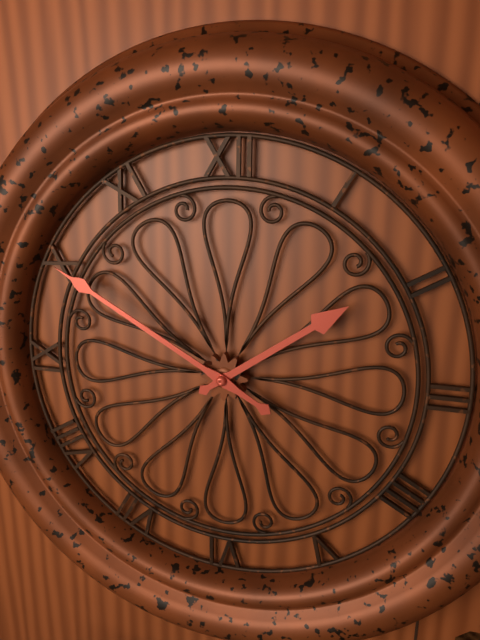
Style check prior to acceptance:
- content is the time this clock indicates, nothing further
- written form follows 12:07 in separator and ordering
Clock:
1:50
